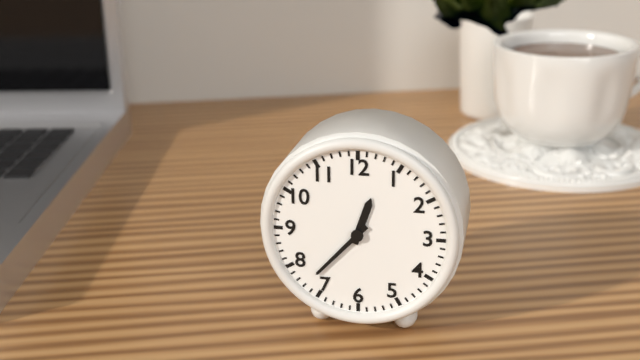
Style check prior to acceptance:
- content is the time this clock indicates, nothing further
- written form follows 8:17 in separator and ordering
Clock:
12:37
